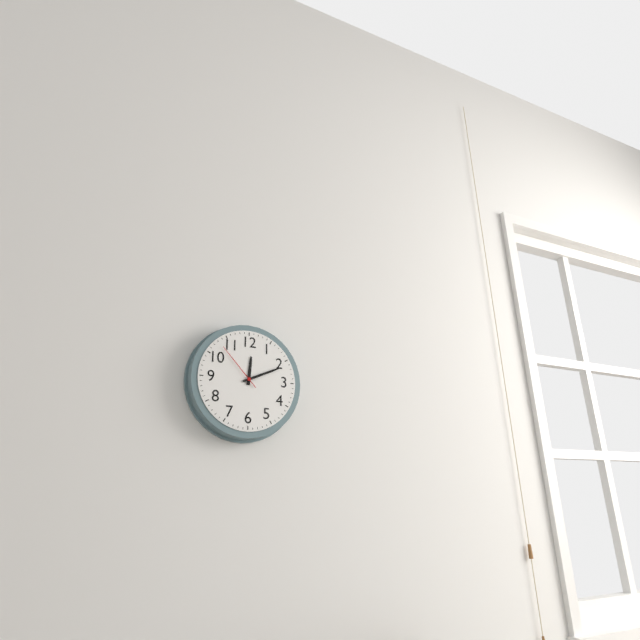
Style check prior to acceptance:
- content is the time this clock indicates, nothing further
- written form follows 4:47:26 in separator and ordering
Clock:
12:11:53
